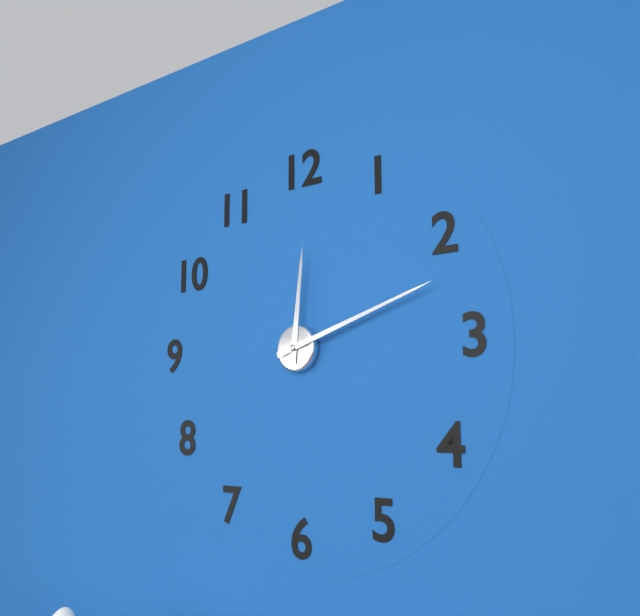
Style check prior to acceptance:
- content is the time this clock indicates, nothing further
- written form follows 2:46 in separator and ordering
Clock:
12:12
